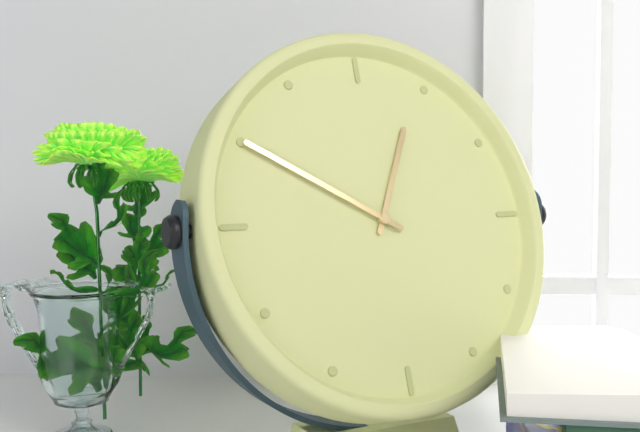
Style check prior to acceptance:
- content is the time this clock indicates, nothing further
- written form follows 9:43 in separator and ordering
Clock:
12:50
